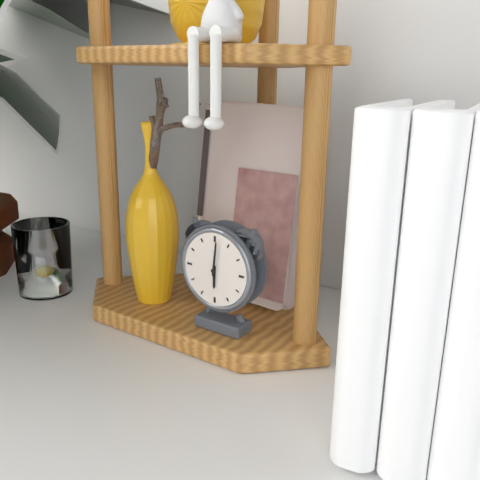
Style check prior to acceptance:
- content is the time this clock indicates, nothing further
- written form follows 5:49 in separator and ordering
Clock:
6:01
